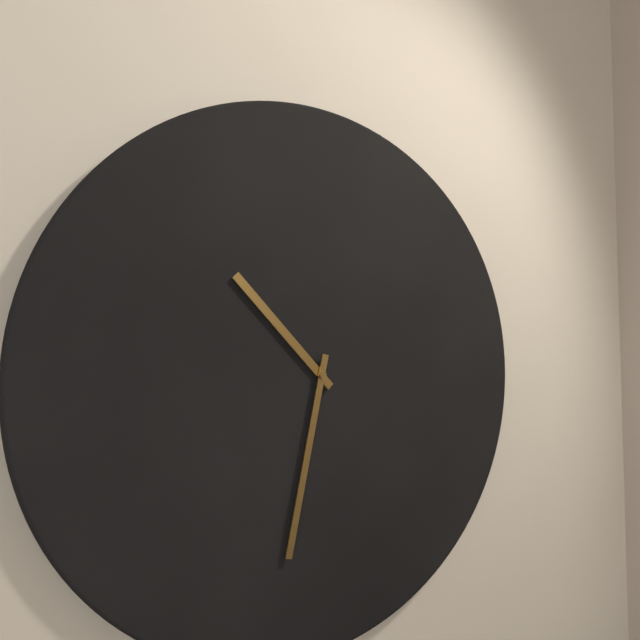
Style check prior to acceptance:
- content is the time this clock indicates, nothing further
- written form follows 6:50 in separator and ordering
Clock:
10:32
